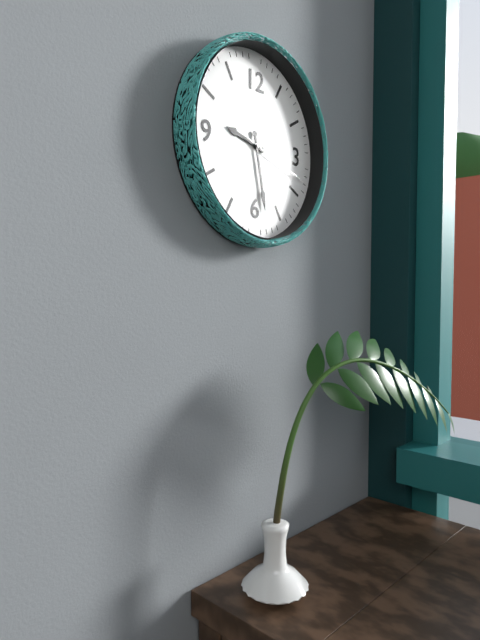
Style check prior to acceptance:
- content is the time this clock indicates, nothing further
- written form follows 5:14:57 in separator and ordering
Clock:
9:28:18
